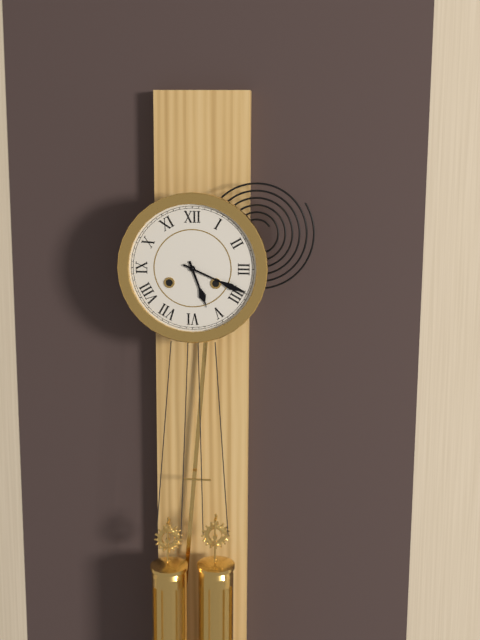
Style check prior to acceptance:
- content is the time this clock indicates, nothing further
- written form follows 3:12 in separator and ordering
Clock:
5:19
